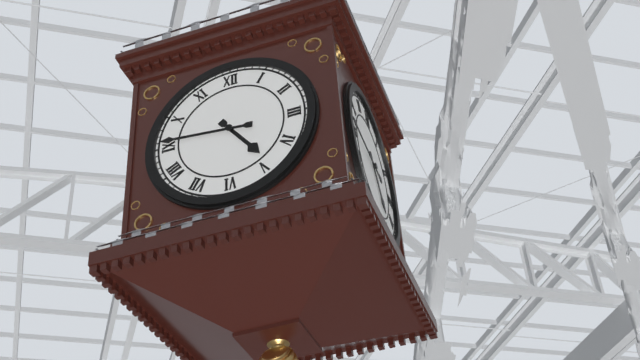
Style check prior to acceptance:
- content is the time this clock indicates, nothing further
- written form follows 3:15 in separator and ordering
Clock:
4:46
